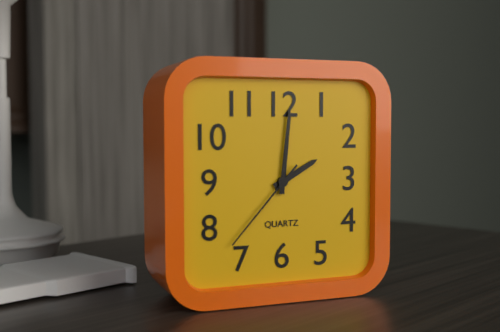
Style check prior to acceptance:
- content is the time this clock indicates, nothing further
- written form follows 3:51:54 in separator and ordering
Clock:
2:01:37
